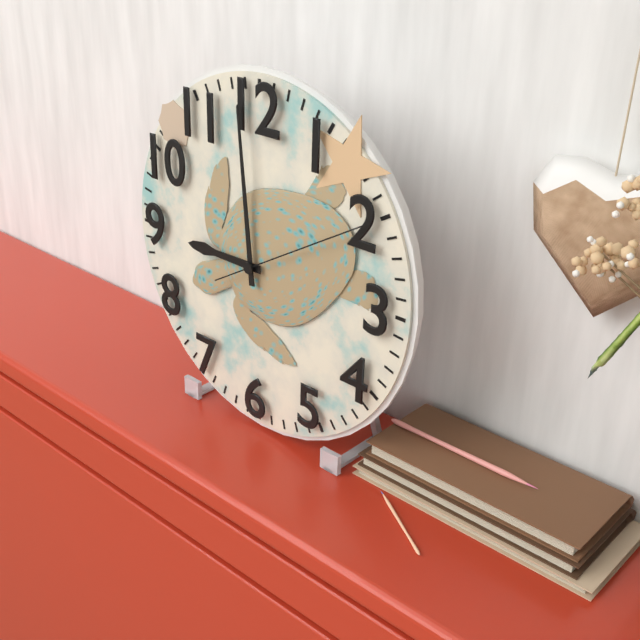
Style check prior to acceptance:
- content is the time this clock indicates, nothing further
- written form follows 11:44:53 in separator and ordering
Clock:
8:59:10
